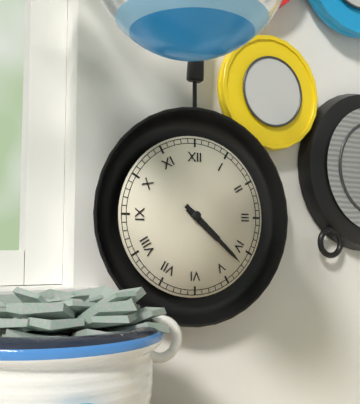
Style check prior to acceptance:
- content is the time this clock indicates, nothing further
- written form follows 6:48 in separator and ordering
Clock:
4:22
